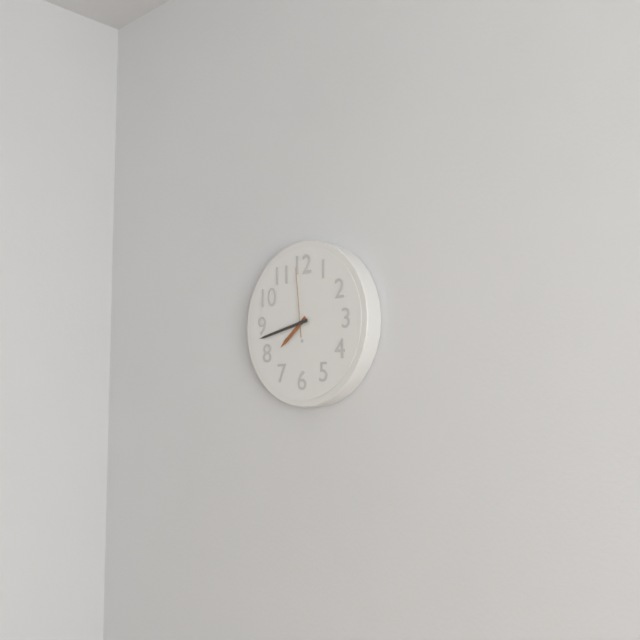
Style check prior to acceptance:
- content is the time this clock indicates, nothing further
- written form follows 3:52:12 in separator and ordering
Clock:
7:43:59
